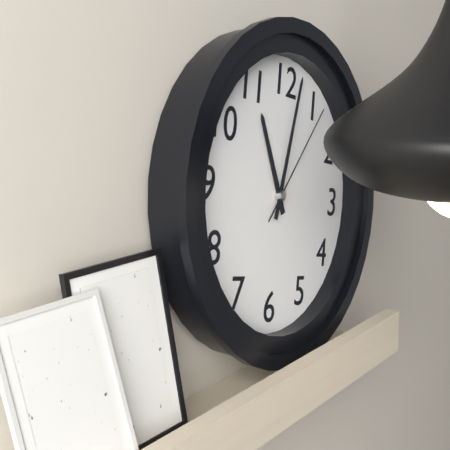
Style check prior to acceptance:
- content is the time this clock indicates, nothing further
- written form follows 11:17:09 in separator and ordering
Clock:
11:02:06
